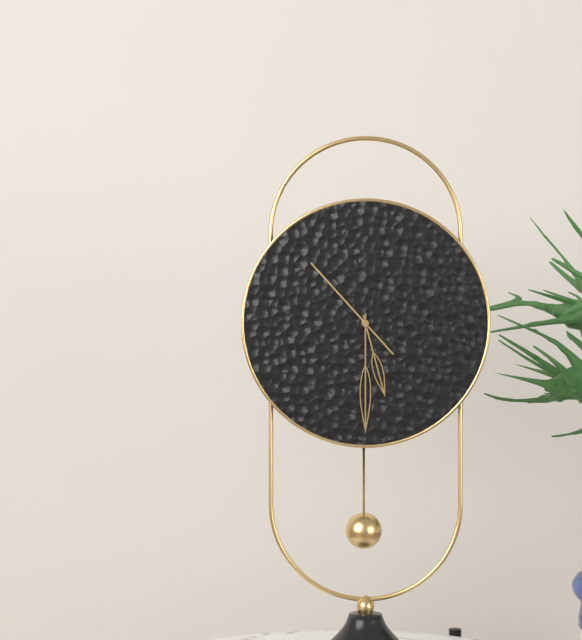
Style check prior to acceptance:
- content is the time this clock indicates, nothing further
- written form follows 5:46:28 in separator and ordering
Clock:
5:30:53
